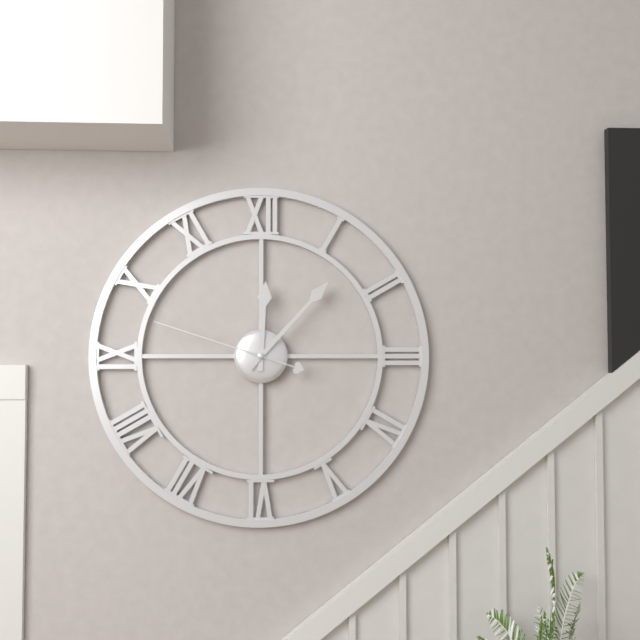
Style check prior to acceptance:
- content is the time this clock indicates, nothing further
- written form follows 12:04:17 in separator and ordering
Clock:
12:07:48
